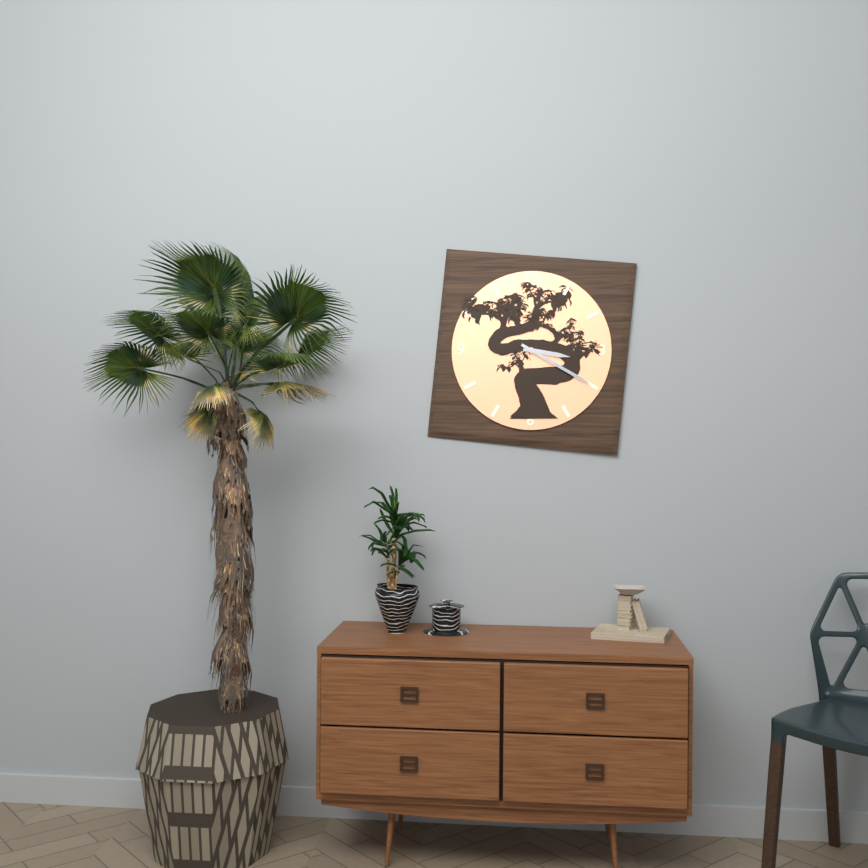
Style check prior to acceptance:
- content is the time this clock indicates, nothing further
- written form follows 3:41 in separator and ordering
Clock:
3:20
